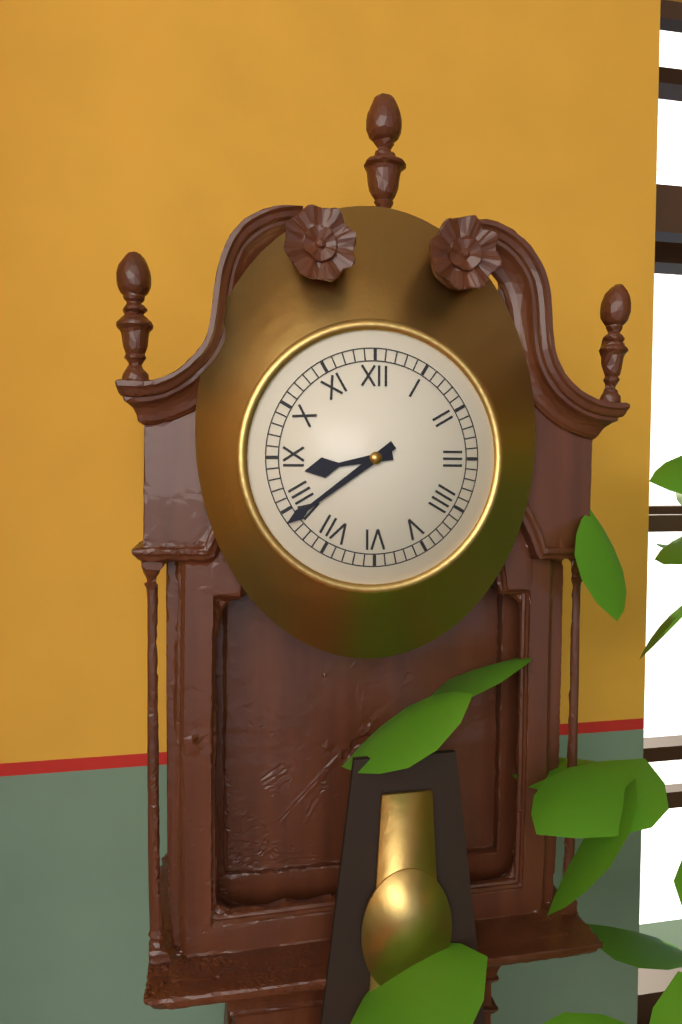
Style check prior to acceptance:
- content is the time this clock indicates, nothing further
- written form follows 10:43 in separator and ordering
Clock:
8:39
